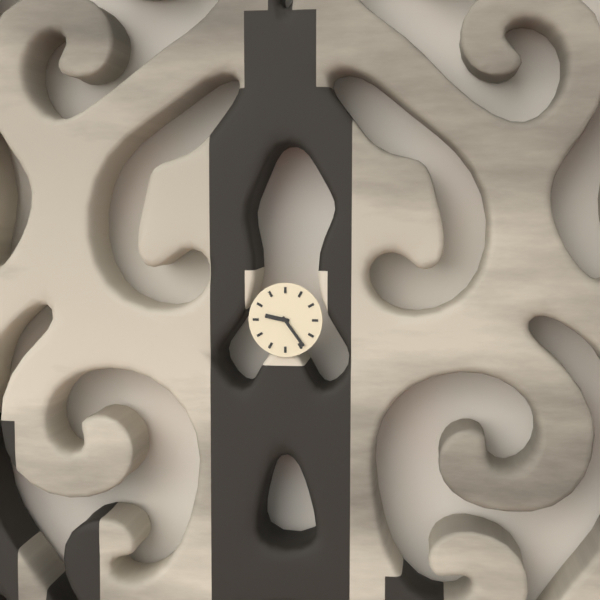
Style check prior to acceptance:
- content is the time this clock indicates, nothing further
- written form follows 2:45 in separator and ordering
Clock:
9:24
